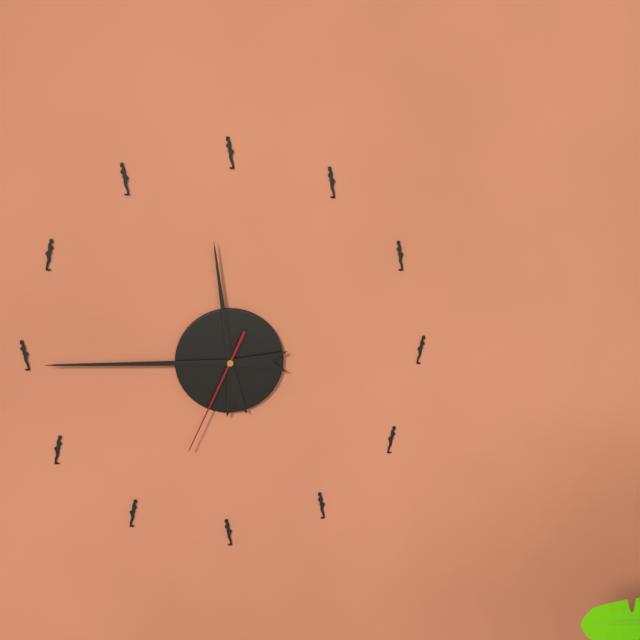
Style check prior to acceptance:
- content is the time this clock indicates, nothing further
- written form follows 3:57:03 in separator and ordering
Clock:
11:45:34
